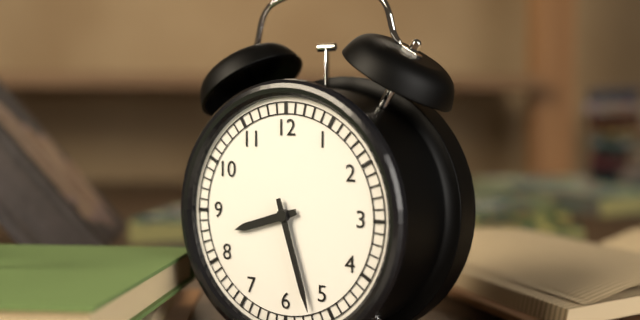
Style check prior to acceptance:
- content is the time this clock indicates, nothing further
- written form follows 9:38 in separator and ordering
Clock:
8:27
